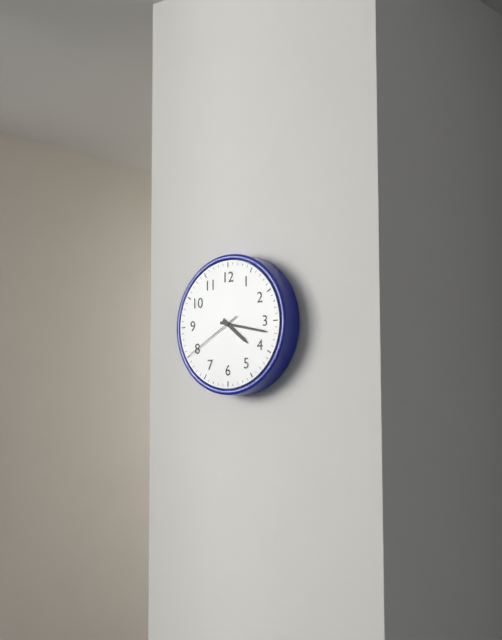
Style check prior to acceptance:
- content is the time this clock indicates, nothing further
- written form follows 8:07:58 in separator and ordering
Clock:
4:17:40
